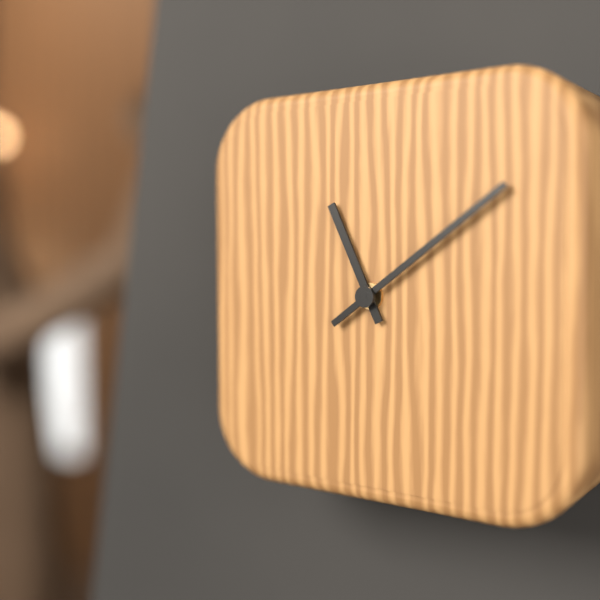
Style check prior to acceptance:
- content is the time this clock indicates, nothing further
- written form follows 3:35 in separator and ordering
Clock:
11:09
